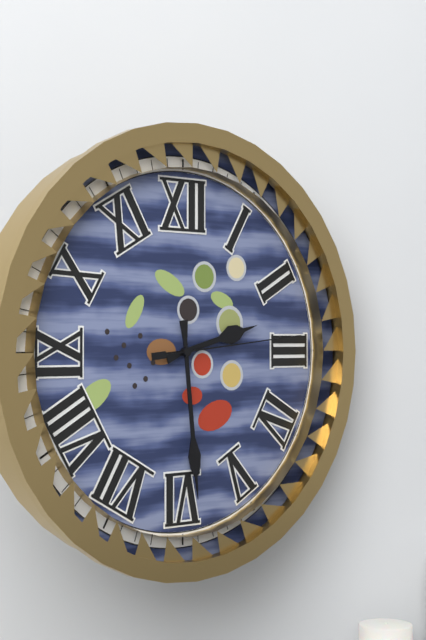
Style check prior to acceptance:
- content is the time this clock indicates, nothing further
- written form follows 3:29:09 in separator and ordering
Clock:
2:29:14
